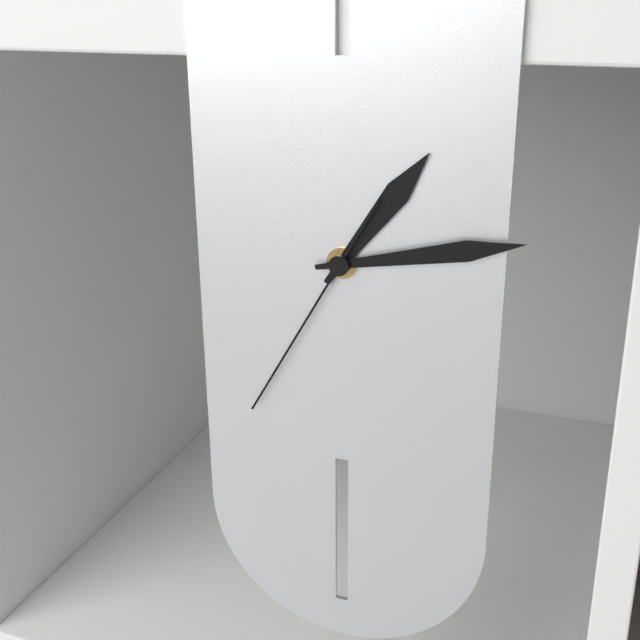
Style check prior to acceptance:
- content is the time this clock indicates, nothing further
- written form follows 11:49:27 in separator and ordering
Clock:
1:13:35
